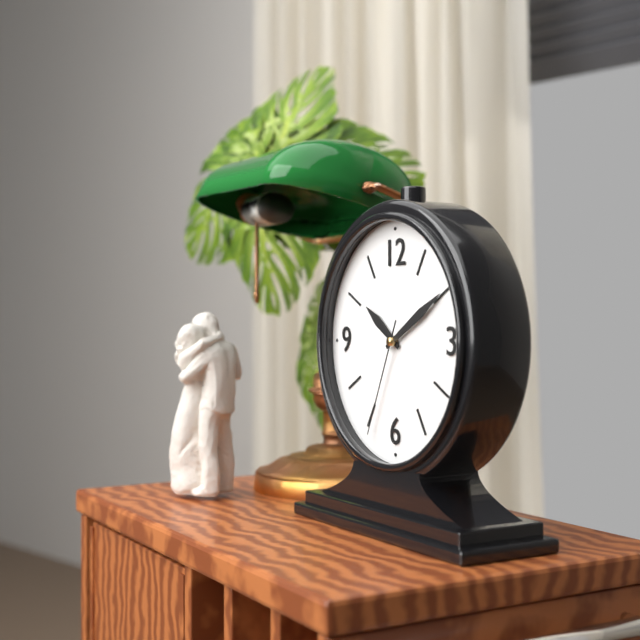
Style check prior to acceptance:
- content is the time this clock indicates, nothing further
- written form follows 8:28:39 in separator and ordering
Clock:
10:10:34
